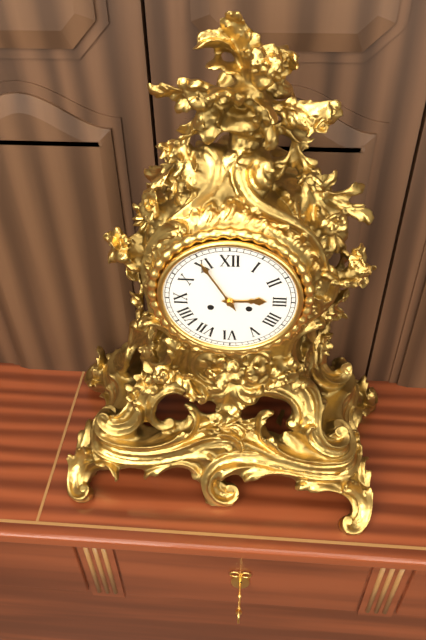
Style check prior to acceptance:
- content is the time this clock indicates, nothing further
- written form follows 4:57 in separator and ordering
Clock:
2:55
